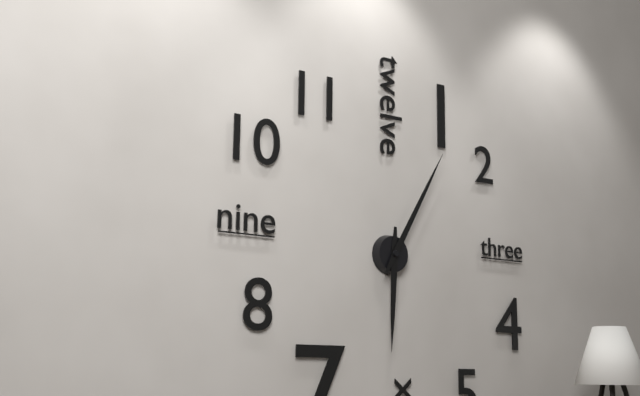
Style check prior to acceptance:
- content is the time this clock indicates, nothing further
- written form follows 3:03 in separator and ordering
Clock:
6:05
